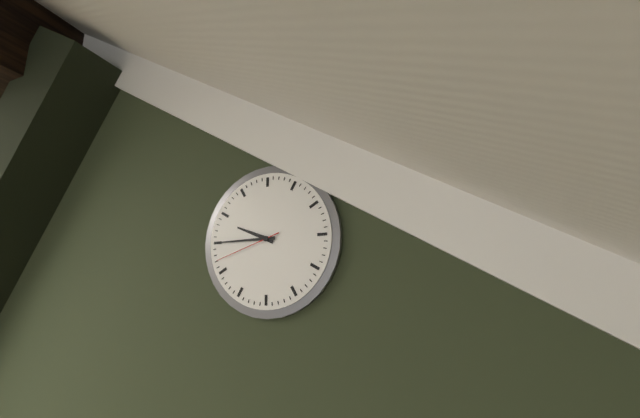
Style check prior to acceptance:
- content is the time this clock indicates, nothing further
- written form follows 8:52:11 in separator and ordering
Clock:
9:45:42
